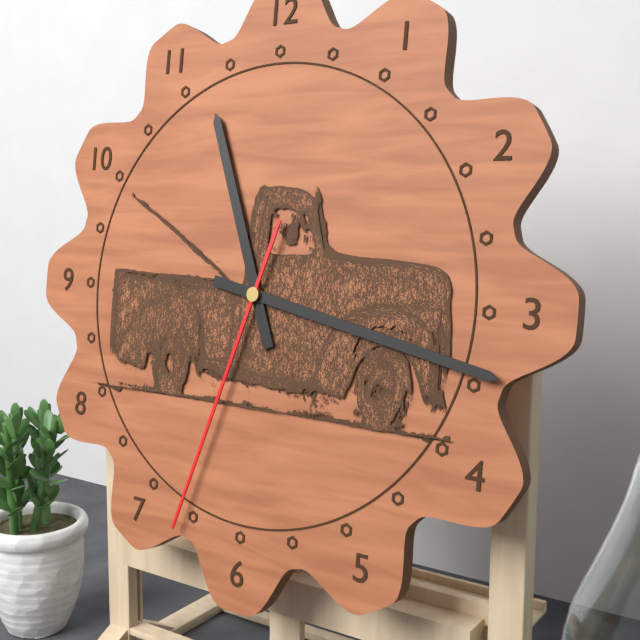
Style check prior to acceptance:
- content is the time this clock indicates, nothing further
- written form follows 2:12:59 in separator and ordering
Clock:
11:17:33
